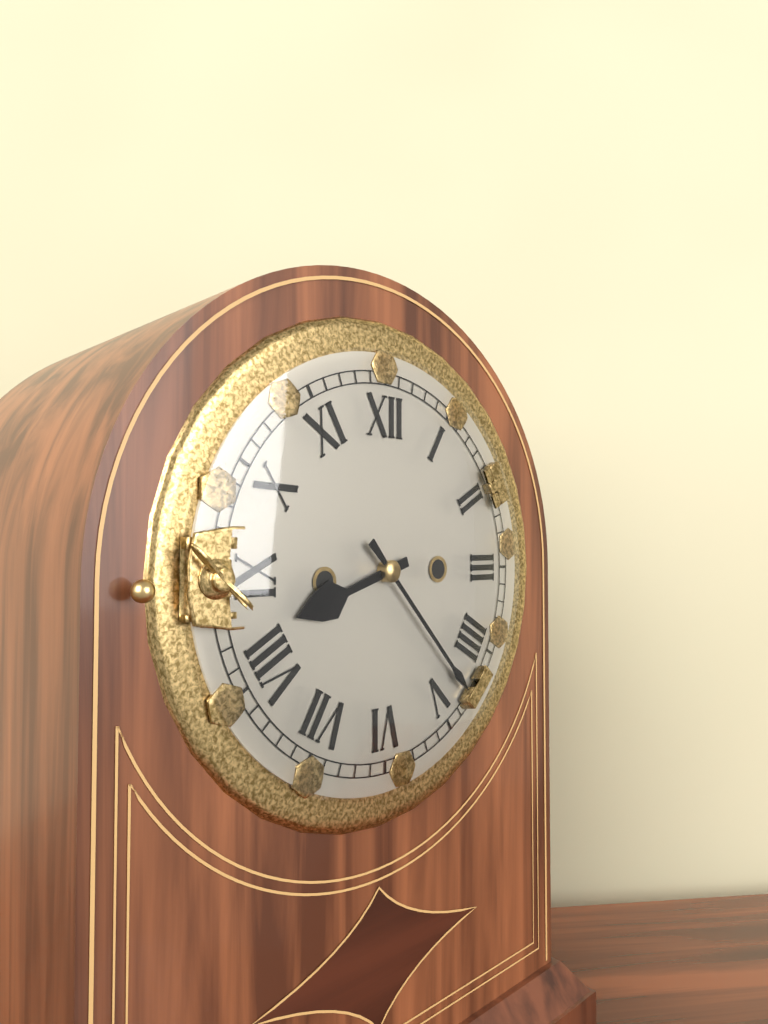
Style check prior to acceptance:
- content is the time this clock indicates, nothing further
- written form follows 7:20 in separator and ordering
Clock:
8:23
